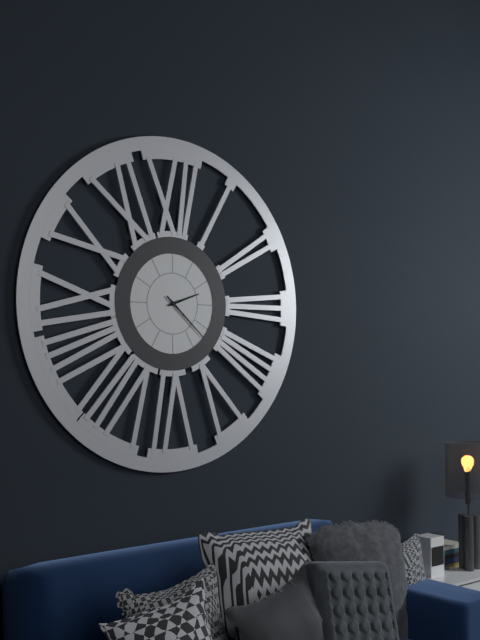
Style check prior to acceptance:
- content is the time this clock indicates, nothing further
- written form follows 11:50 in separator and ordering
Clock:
2:22
